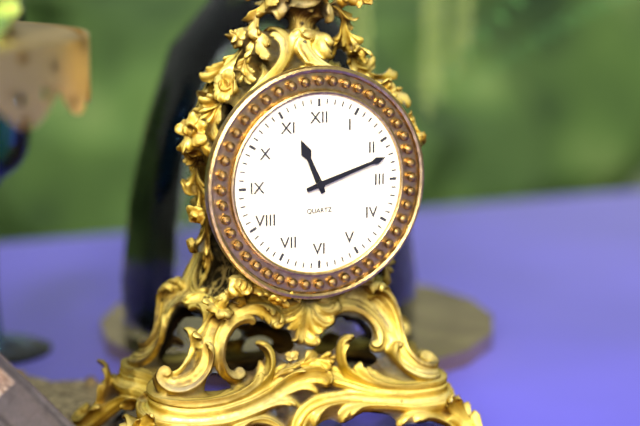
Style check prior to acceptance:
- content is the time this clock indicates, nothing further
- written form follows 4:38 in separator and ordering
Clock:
11:12
